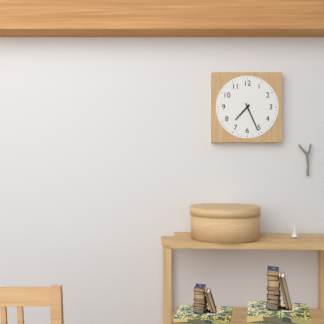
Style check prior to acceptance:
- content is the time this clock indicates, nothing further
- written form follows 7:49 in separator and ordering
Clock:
7:26
